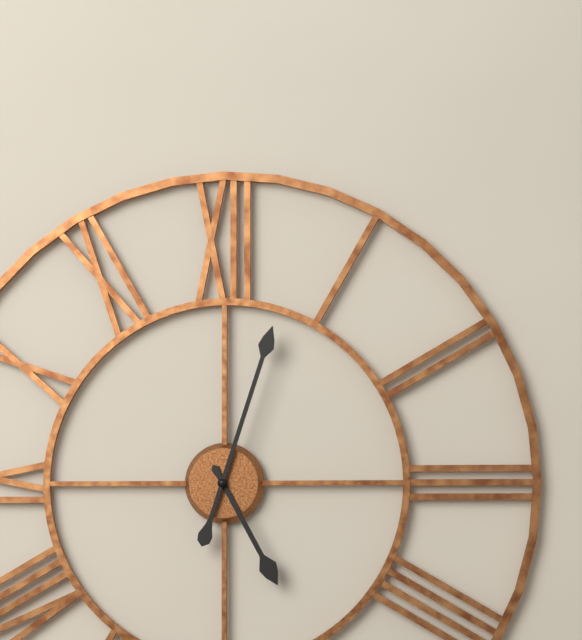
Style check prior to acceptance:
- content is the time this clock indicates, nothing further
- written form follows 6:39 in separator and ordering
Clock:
5:03
